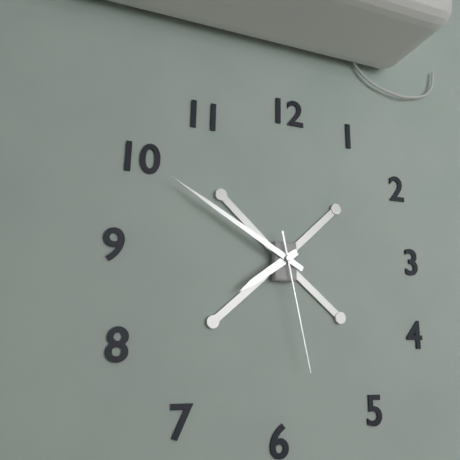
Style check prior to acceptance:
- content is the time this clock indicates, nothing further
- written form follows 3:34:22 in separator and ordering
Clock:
7:50:28
